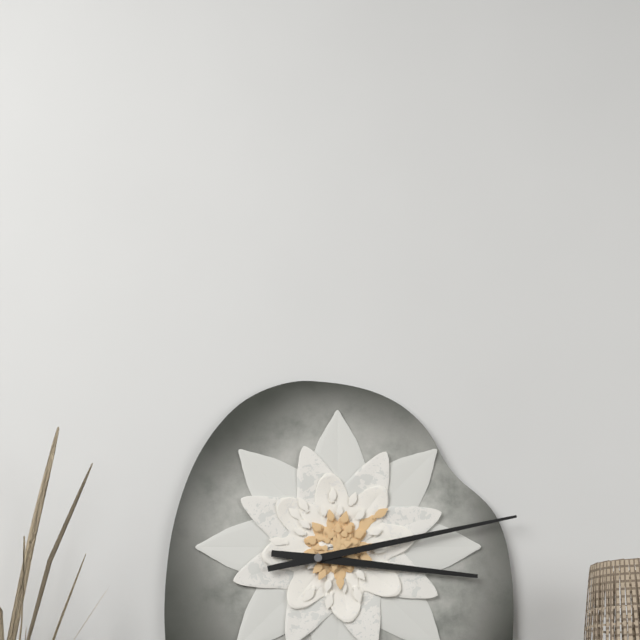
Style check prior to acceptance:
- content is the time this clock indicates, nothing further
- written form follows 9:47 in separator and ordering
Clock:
3:13
